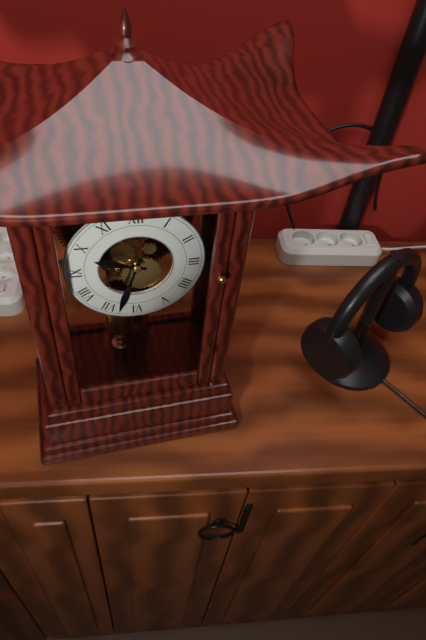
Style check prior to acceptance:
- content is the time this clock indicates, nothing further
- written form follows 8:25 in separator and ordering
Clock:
9:33
